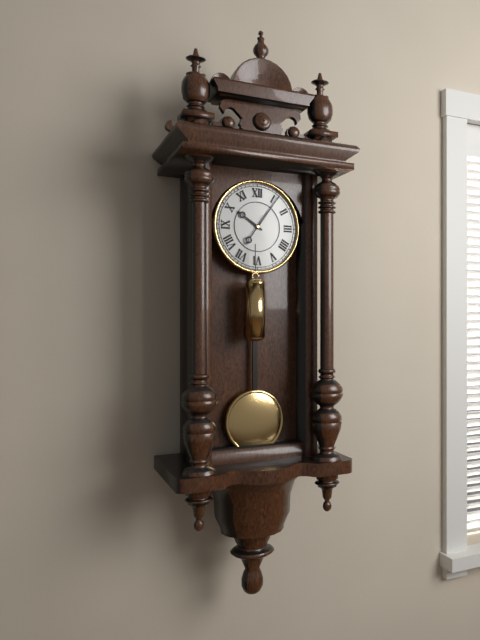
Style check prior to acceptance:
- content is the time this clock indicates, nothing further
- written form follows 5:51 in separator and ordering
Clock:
10:06
